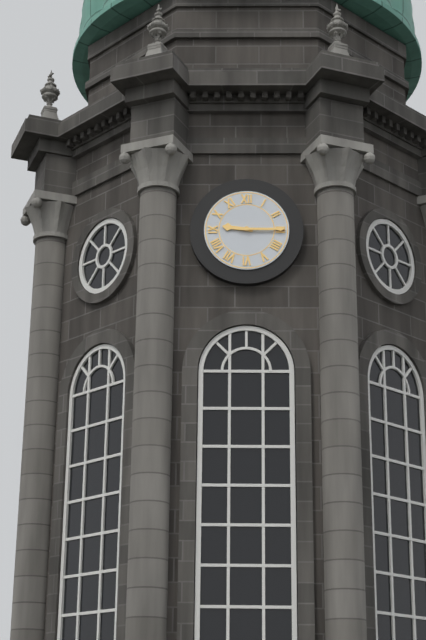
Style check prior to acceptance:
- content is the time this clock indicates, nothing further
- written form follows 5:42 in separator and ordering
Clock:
9:15
